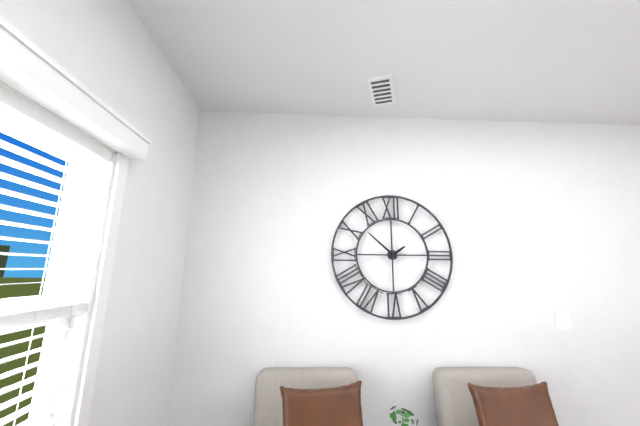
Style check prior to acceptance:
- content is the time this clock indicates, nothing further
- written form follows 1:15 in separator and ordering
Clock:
1:52
